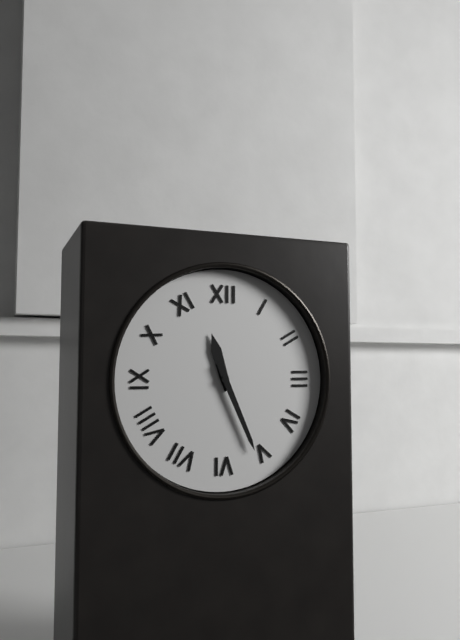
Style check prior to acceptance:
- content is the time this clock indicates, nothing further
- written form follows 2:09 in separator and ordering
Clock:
11:26
